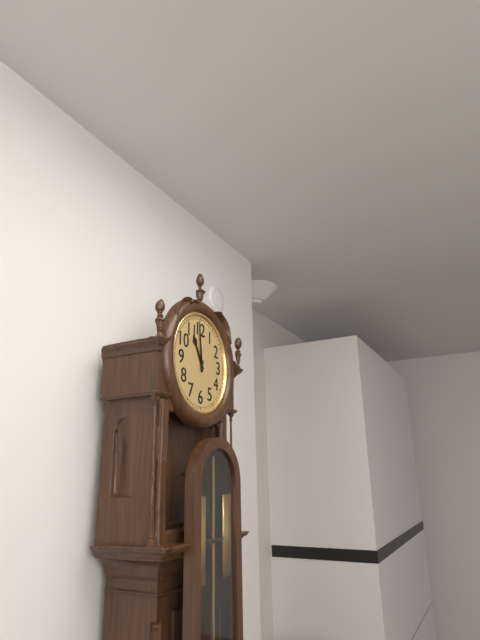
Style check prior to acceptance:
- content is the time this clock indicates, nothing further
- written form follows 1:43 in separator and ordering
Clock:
10:59
